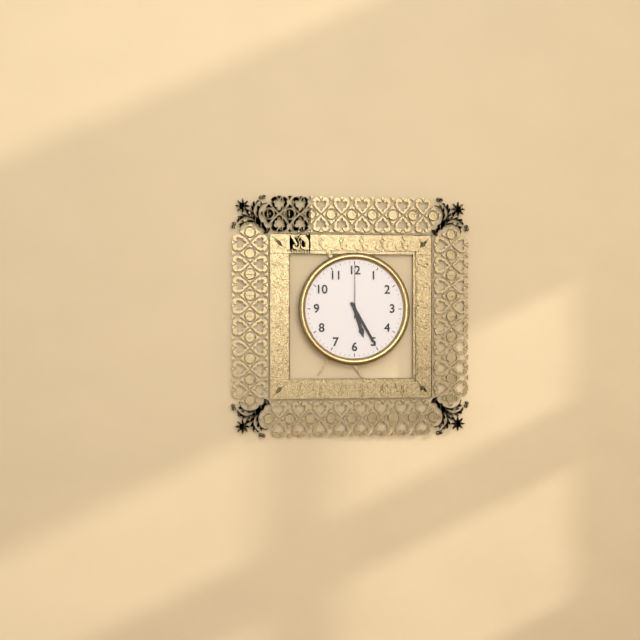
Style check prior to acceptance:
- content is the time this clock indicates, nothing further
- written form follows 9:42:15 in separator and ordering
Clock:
5:25:00
